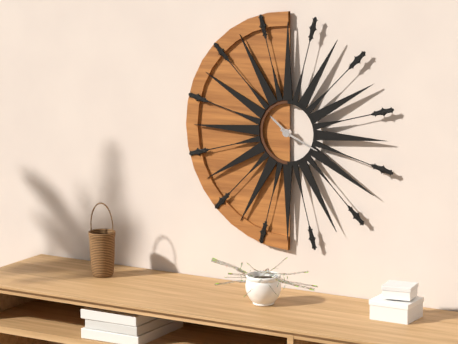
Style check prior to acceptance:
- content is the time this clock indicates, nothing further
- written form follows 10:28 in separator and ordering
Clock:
10:19
